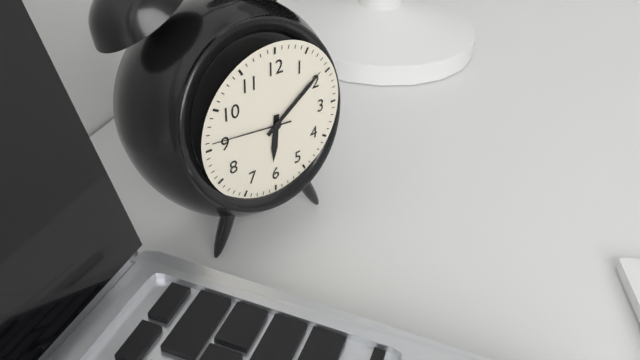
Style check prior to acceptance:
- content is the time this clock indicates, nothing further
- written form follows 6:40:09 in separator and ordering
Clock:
6:09:46
